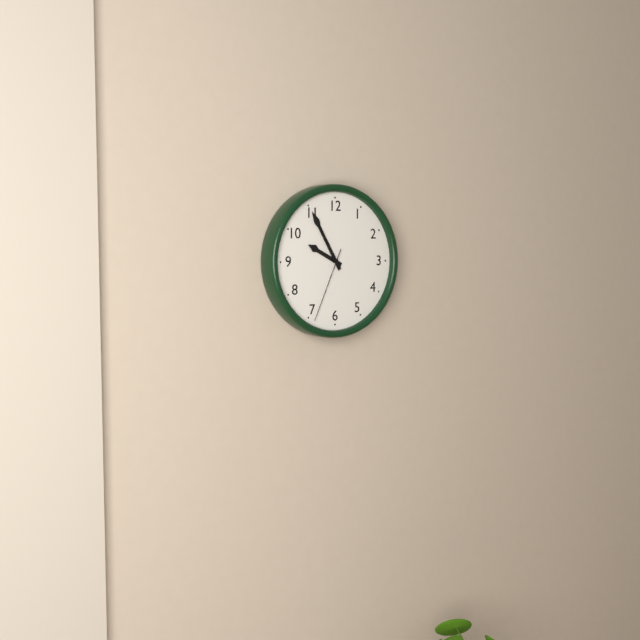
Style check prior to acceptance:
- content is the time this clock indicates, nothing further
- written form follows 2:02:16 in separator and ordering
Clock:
9:55:34
